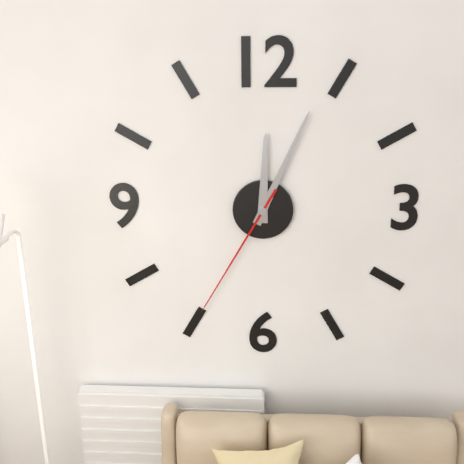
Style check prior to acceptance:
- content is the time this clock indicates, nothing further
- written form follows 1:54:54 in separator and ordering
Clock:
12:04:35
